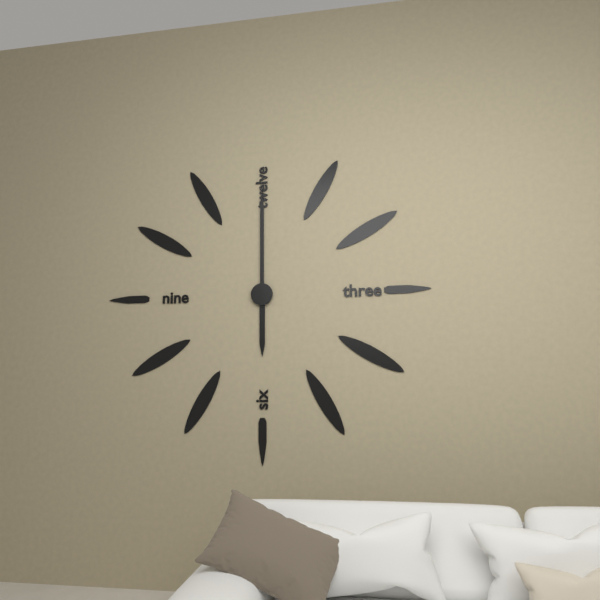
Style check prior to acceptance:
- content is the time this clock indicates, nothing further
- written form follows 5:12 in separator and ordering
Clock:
6:00
